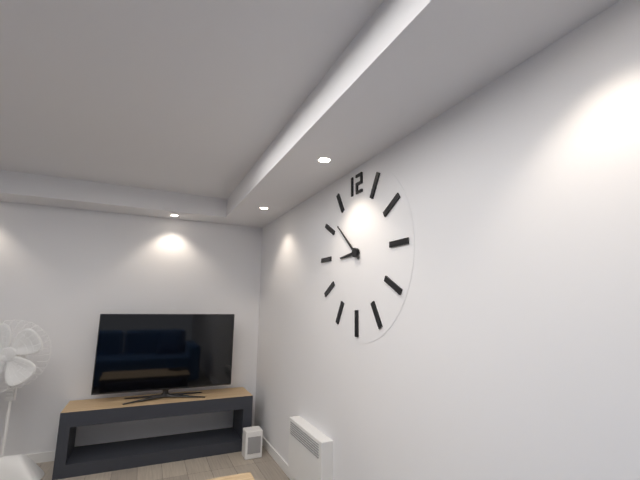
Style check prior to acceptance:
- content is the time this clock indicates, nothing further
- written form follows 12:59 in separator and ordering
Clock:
8:52
